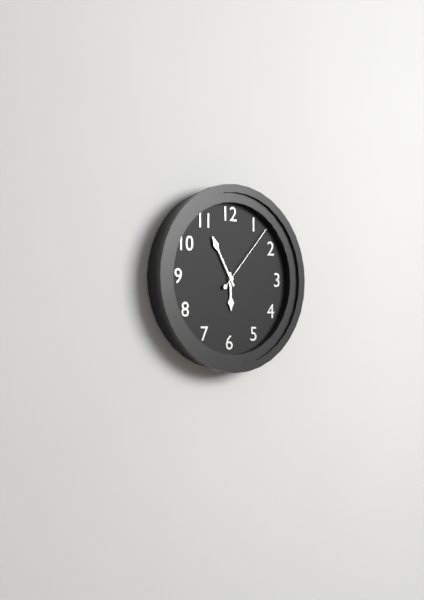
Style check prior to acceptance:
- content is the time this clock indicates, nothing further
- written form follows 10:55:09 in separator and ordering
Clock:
5:55:07
